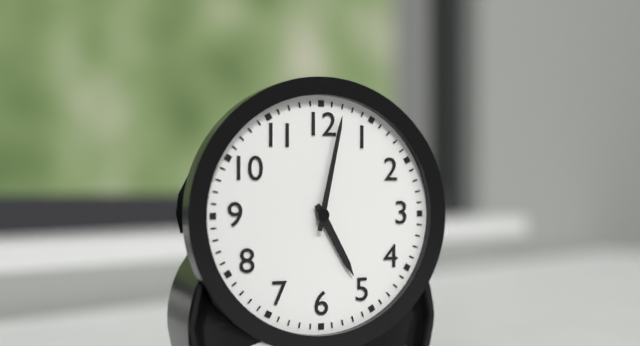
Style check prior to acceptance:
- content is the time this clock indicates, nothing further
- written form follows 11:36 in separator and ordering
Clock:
5:02
